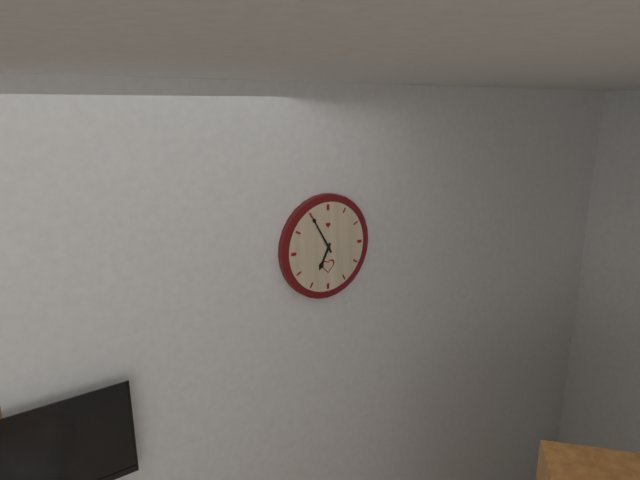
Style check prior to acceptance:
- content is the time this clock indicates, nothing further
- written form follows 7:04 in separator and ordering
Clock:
6:55
